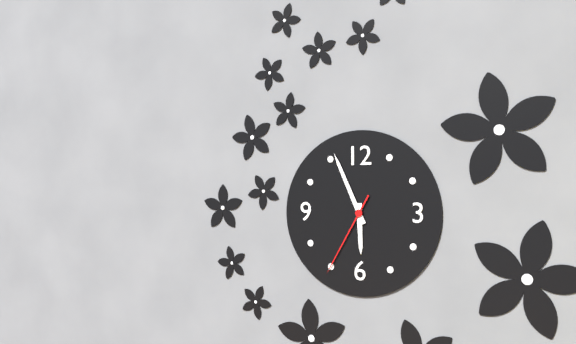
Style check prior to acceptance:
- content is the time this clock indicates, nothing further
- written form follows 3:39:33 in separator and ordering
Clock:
5:56:35
